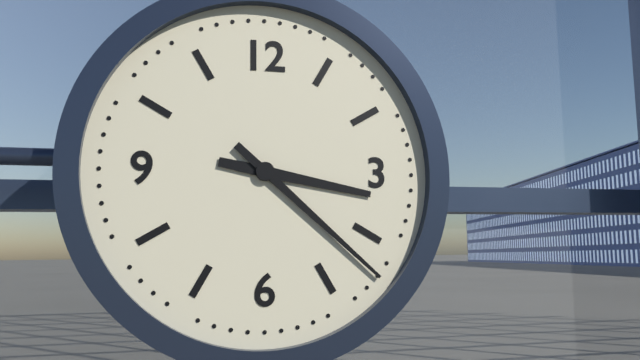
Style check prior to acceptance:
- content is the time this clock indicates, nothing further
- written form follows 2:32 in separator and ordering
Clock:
3:22
